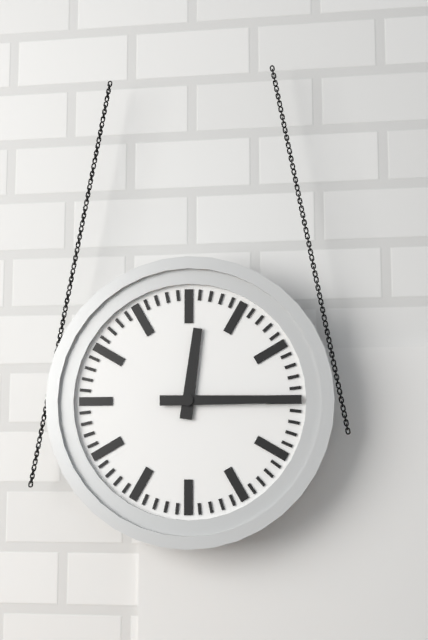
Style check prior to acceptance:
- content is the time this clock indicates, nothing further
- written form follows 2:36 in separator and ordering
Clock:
12:15
